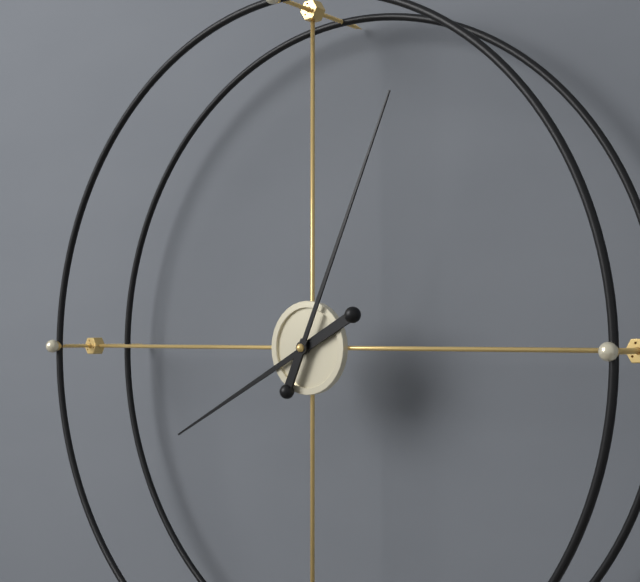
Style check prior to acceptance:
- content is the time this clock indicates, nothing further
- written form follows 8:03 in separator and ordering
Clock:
8:04
